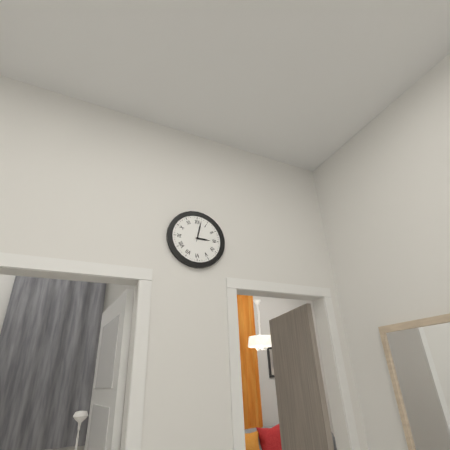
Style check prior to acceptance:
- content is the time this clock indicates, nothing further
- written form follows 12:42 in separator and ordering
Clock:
3:02
